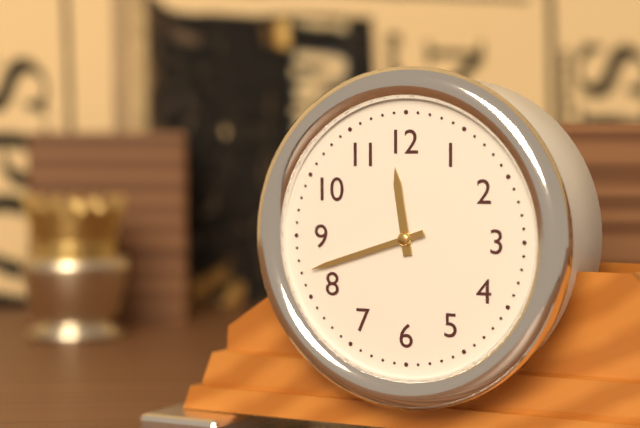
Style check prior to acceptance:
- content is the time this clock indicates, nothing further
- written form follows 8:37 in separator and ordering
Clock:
11:42
